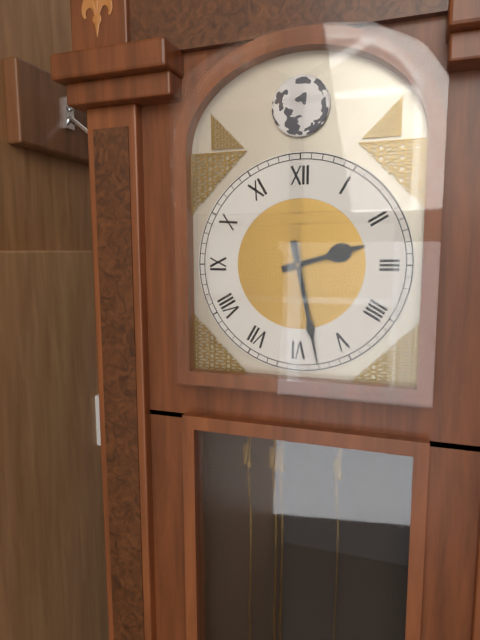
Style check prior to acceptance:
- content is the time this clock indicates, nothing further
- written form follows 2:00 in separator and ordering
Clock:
2:28
